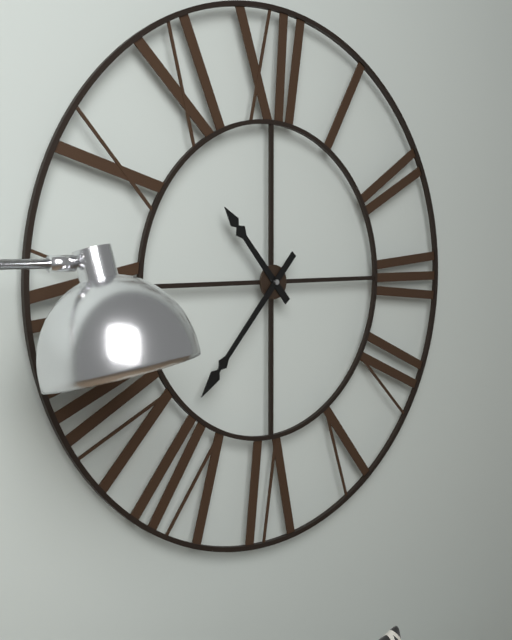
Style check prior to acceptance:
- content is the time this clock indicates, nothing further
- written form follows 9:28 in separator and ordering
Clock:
10:37
